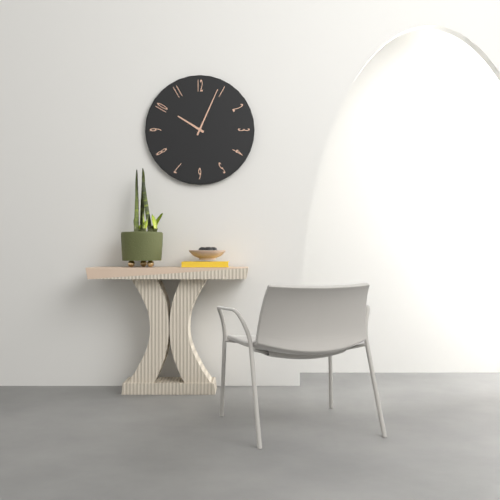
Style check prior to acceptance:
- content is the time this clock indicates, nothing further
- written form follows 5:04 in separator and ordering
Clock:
10:04
